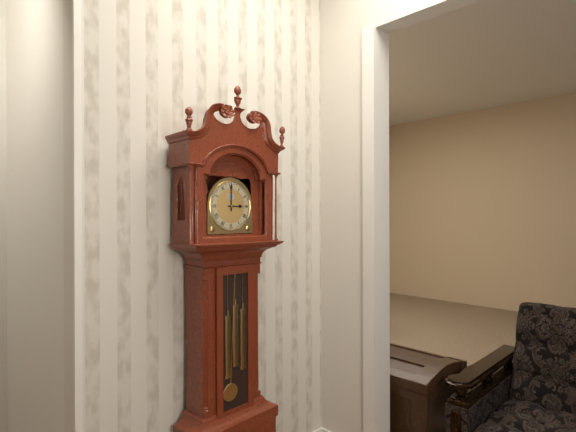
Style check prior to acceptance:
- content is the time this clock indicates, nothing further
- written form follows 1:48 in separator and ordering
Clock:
3:00
